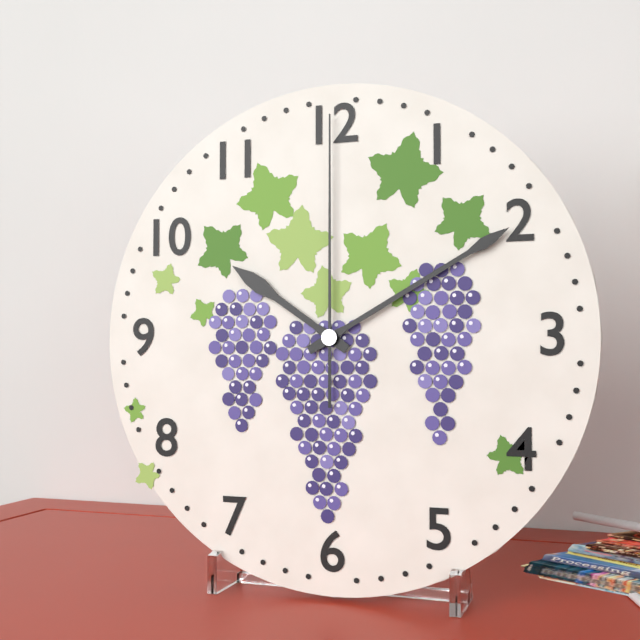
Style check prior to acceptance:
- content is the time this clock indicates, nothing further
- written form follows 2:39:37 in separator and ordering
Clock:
10:10:00
